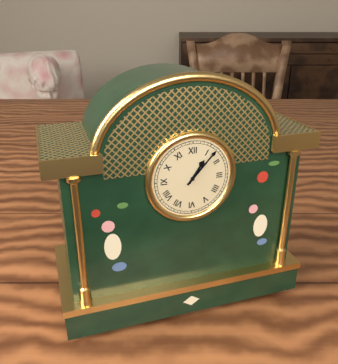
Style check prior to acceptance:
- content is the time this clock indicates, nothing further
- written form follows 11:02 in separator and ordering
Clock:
1:07
